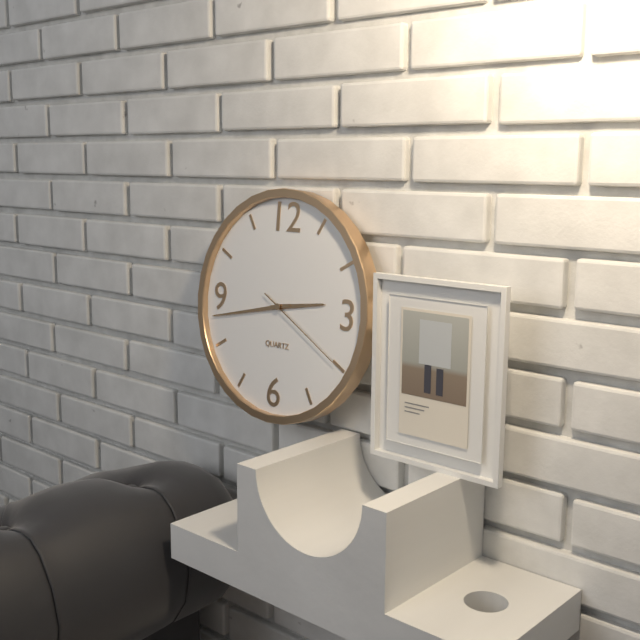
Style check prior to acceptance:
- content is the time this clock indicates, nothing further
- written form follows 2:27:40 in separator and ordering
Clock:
2:43:20
